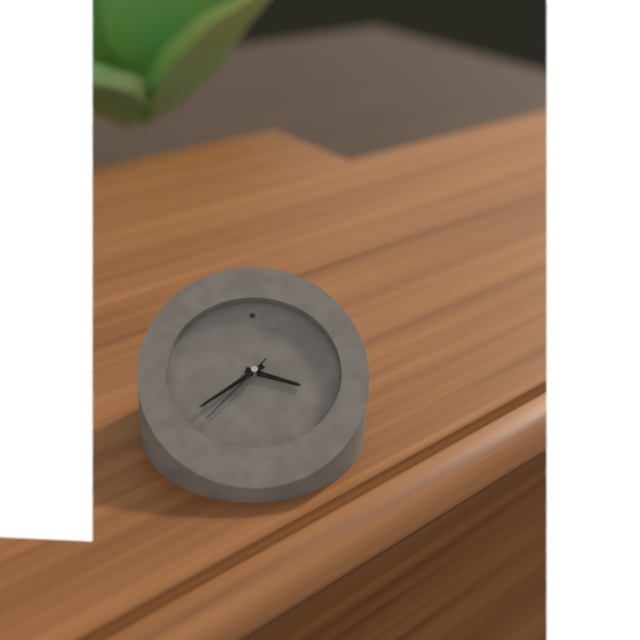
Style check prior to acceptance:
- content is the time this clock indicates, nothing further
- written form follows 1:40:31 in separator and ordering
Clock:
3:39:37
